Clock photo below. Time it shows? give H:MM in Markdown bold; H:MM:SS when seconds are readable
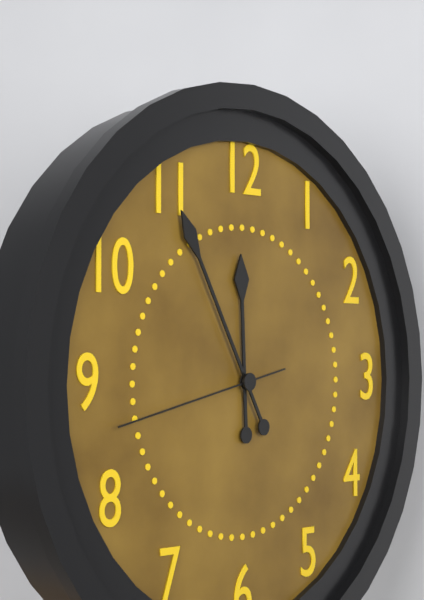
**11:55:43**
